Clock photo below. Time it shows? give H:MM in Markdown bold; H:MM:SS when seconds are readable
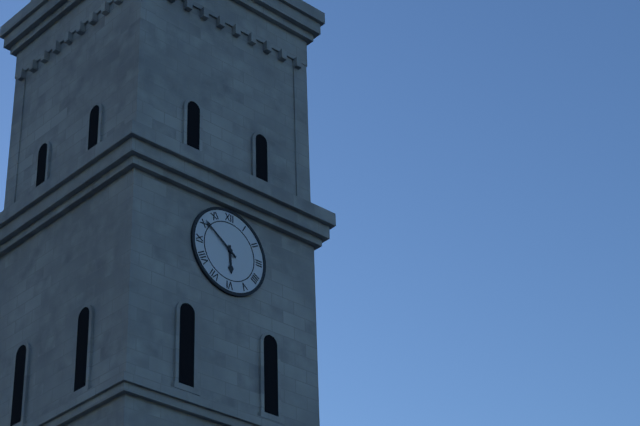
**5:51**
